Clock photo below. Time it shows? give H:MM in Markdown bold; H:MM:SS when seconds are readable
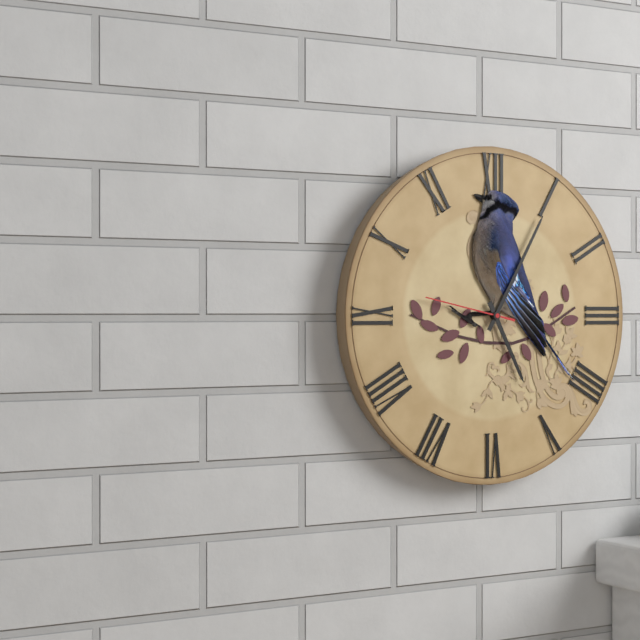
**5:05:47**
